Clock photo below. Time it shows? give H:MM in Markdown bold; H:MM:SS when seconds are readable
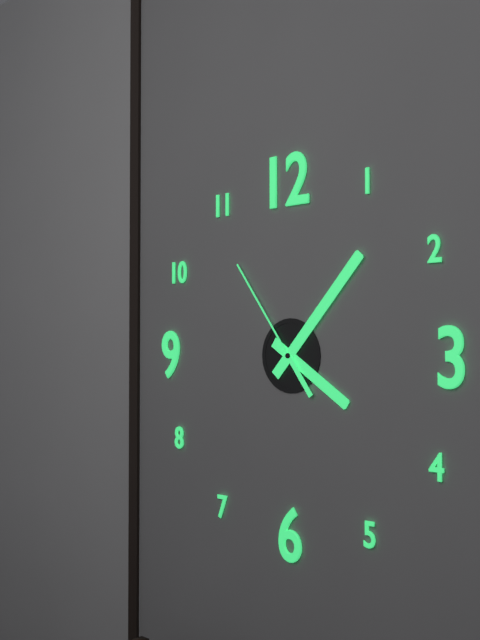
**4:07:54**
